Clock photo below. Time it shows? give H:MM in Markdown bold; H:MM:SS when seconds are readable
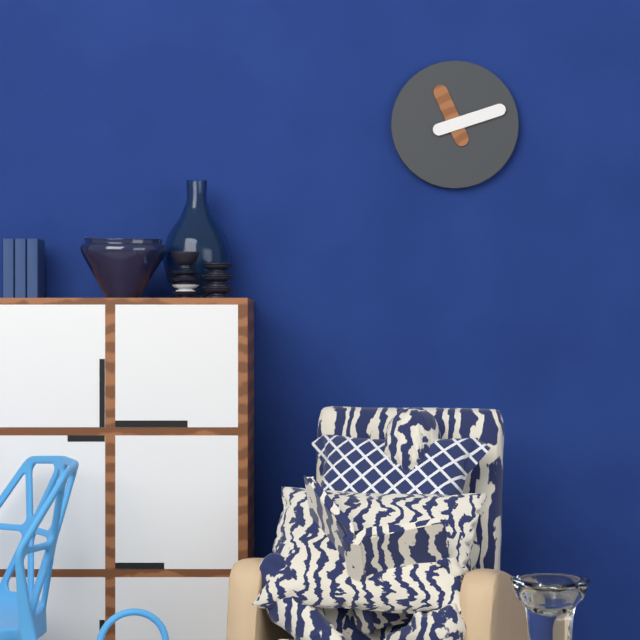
**11:12**
